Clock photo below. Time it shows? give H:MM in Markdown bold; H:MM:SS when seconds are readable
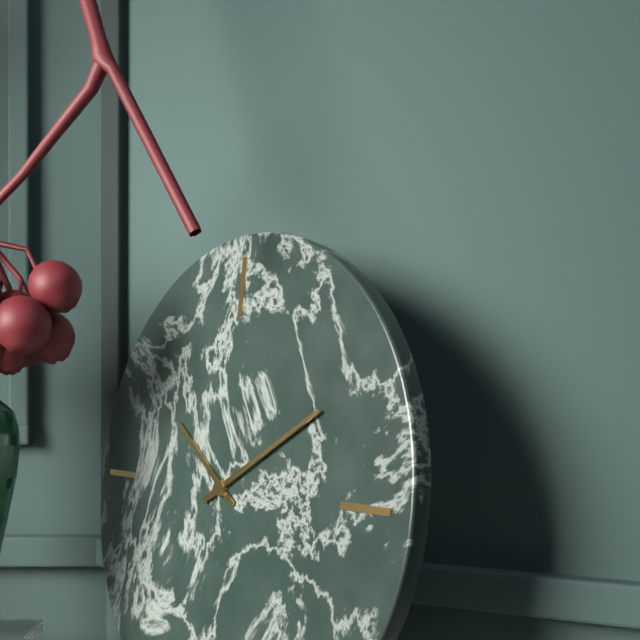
**10:10**
